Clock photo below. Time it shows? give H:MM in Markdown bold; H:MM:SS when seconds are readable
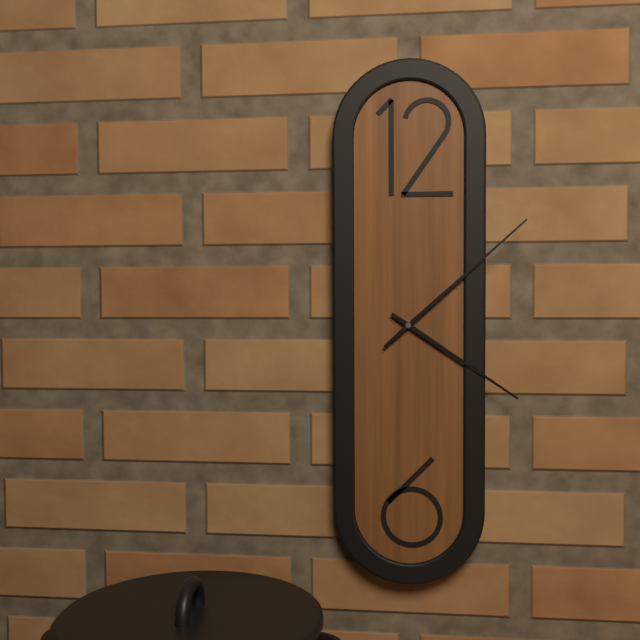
**4:08**
